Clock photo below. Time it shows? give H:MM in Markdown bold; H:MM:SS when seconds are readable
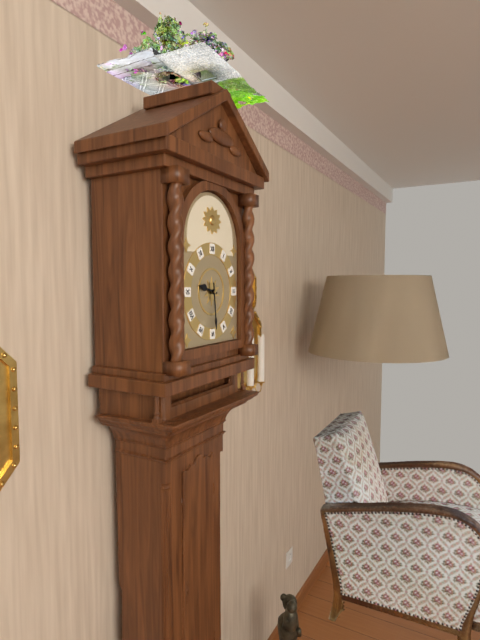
**9:29**
